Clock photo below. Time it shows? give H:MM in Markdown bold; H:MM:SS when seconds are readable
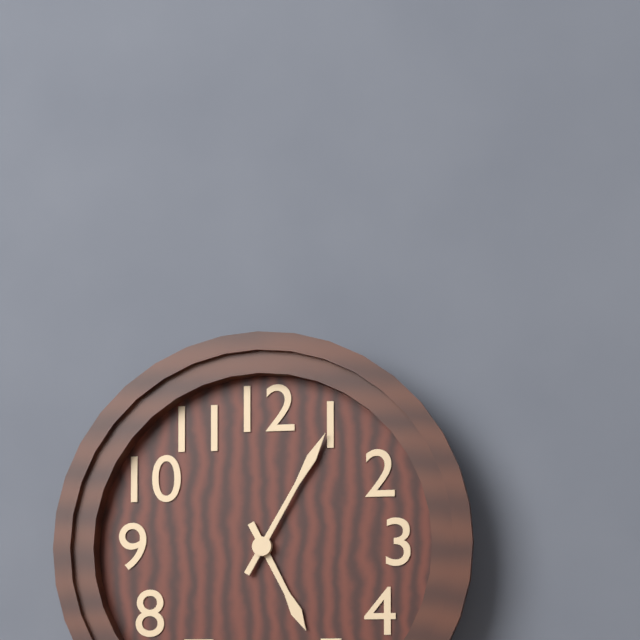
**5:05**
